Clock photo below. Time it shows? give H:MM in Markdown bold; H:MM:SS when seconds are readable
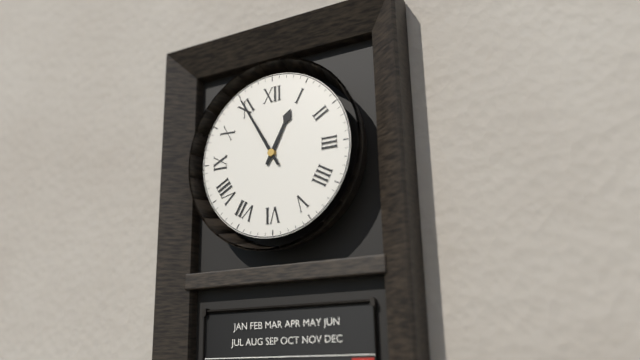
**12:55**
